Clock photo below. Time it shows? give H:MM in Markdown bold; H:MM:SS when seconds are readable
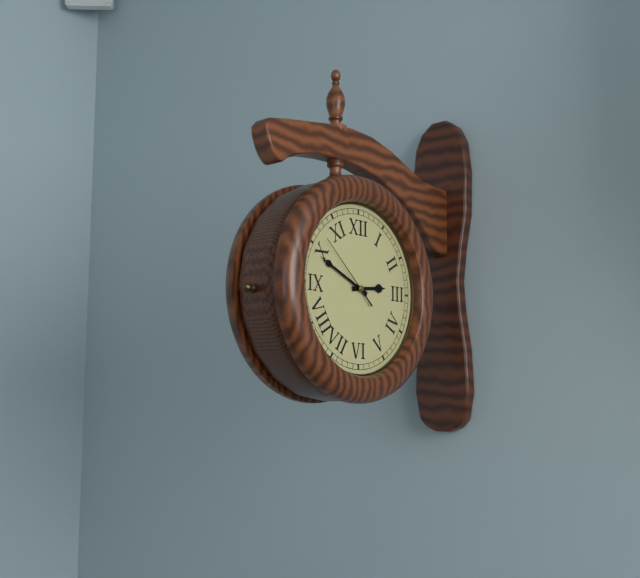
**2:49:52**
